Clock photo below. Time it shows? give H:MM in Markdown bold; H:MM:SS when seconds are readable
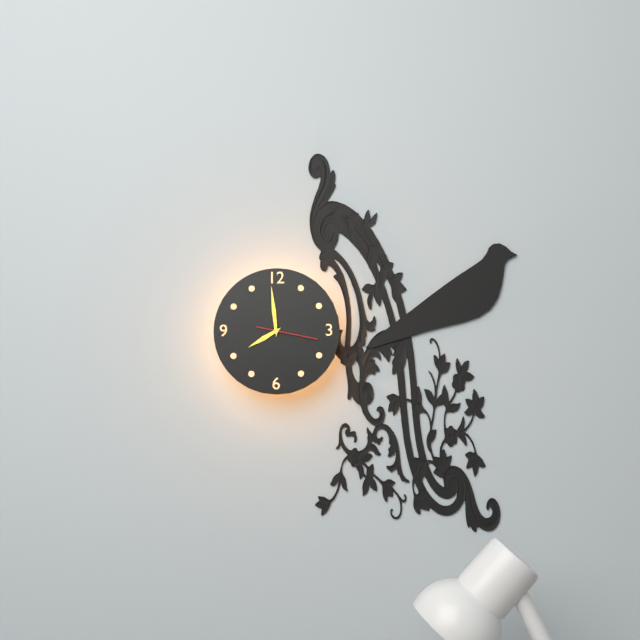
**7:59**
